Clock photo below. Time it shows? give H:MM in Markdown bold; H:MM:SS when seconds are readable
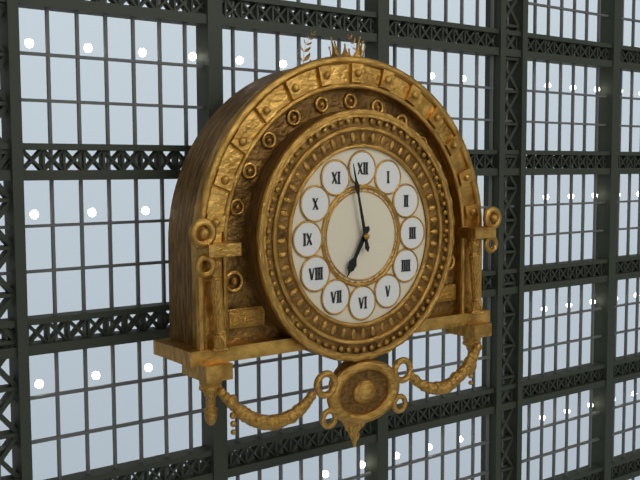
**6:58**
